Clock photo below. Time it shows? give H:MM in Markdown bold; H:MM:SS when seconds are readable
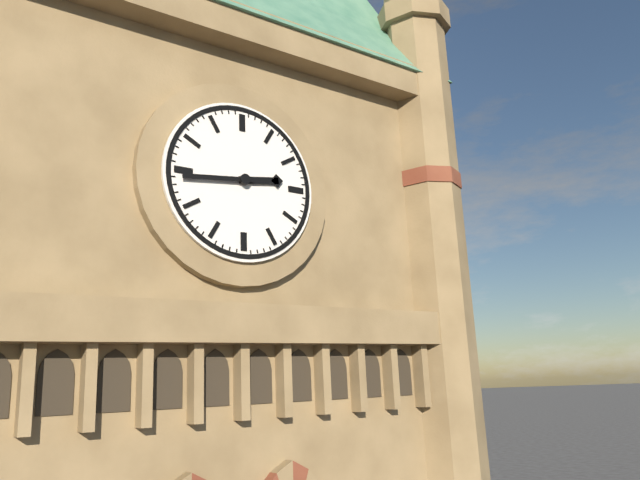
**2:44**
